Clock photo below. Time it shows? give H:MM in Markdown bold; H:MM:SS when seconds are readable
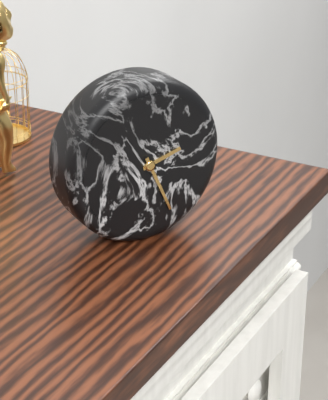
**2:26**
